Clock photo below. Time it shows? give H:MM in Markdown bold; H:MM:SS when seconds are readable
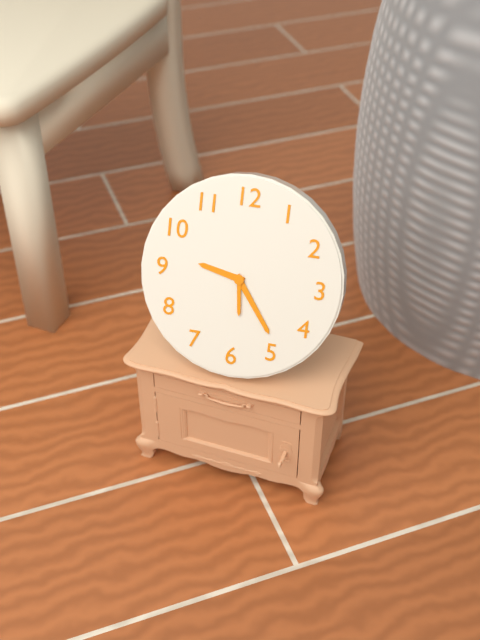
**9:24**
